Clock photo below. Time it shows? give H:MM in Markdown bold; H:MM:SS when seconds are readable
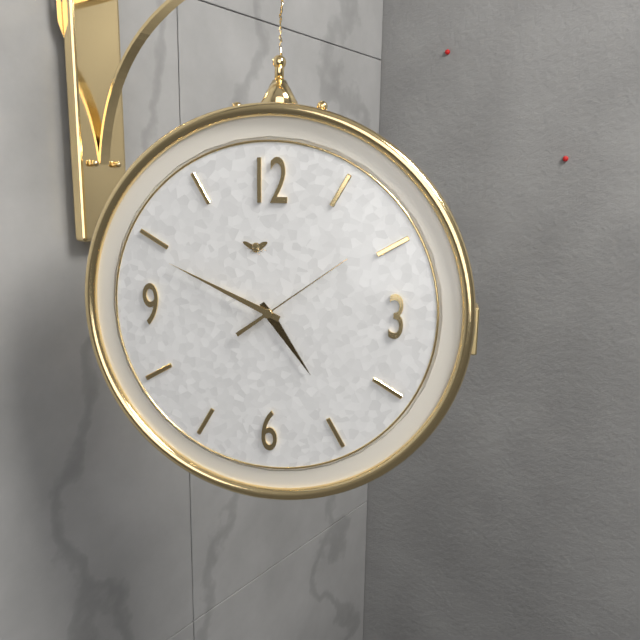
**4:49:09**
